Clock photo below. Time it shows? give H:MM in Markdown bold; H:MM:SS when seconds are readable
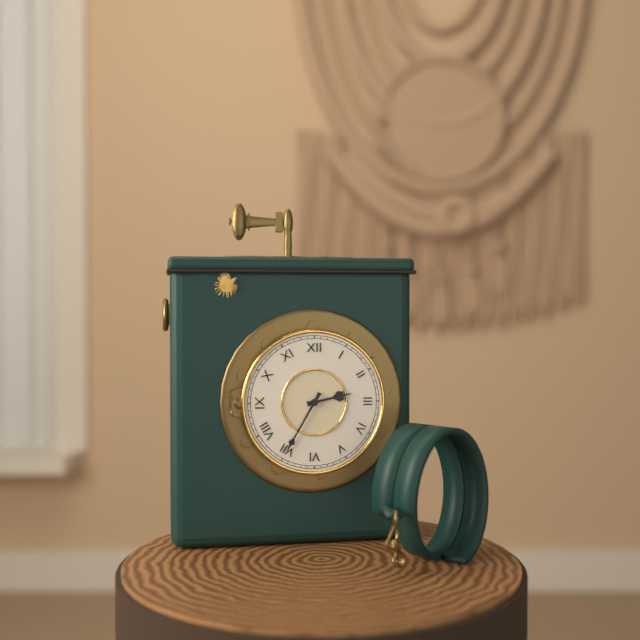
**2:35**
